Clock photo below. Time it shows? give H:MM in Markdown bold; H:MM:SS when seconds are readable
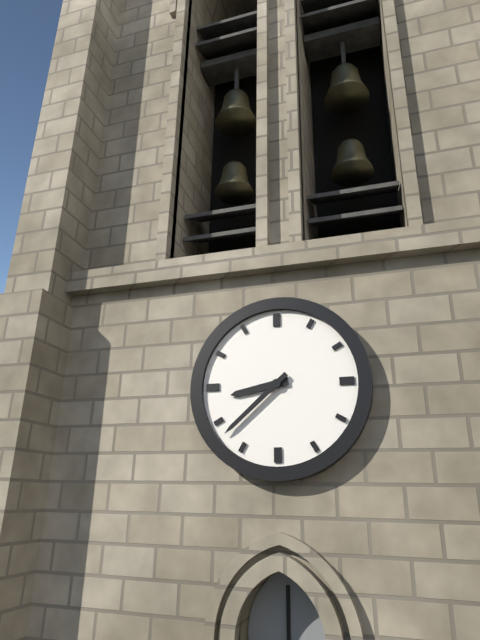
**8:38**
